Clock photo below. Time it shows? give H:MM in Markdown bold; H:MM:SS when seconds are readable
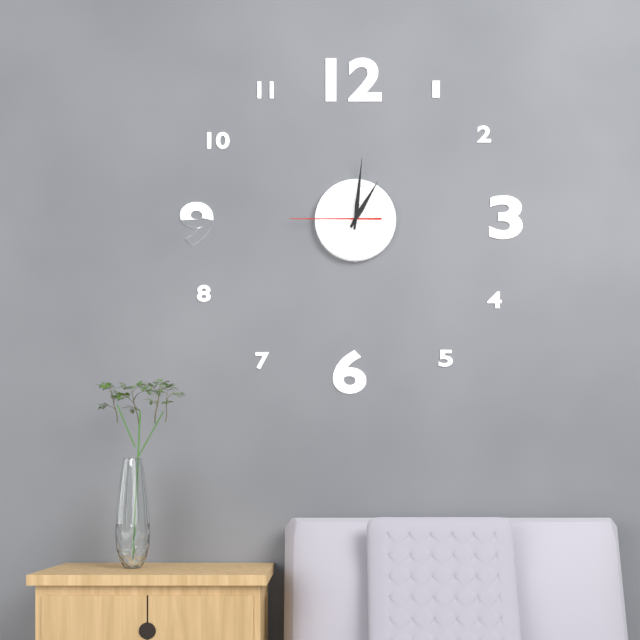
**1:01:45**
